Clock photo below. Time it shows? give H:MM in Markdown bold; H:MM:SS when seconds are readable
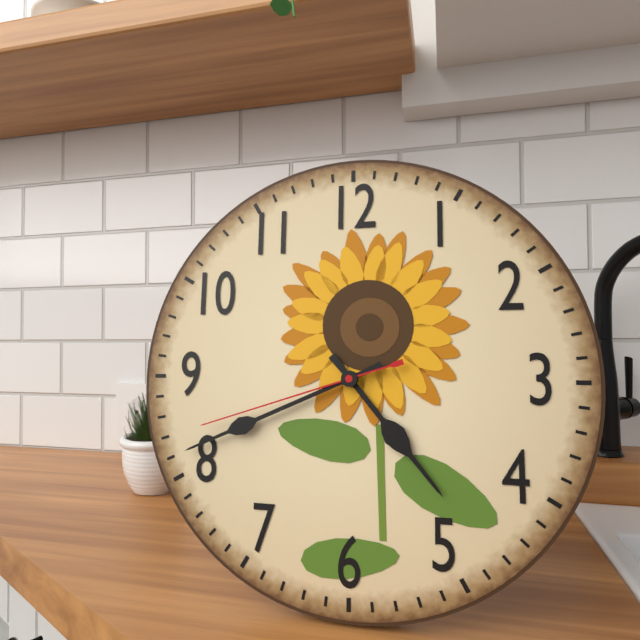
**4:41:42**
